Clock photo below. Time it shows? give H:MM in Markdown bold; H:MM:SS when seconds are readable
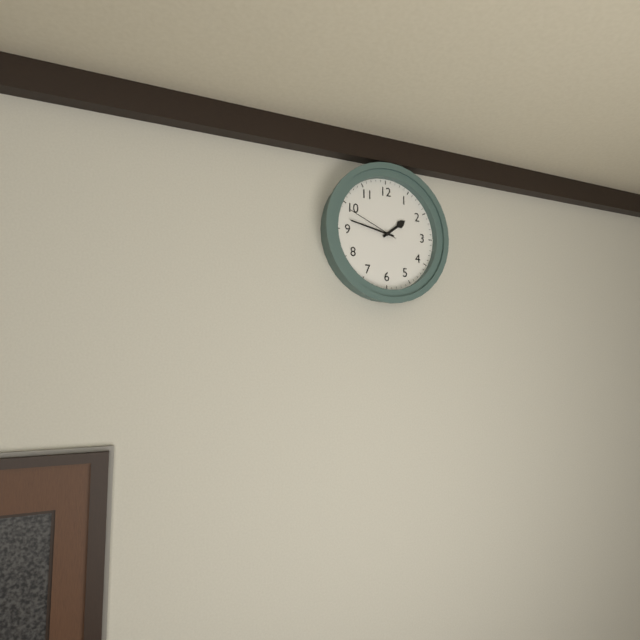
**1:47:49**
